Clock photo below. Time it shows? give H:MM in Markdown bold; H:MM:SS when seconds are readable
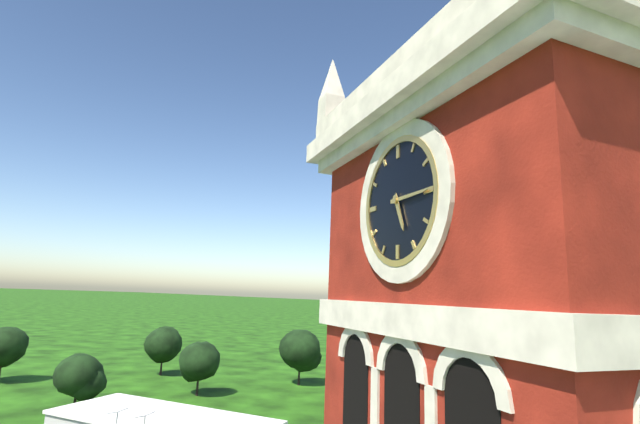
**5:15**
